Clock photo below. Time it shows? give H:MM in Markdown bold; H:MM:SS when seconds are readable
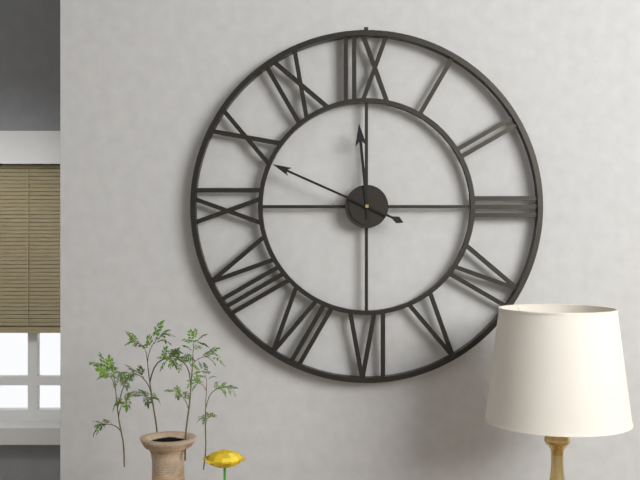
**11:49**
